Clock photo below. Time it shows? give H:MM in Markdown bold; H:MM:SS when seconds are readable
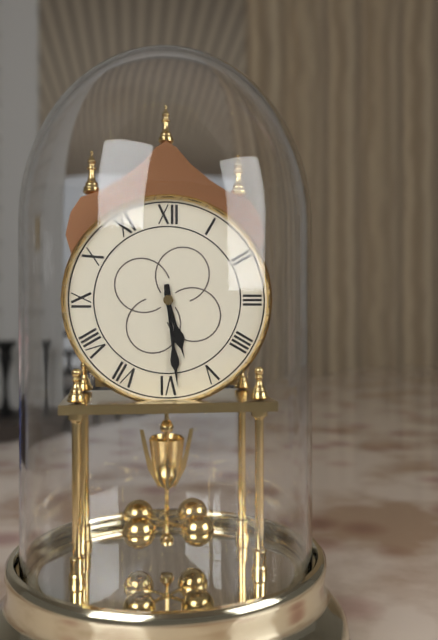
**5:29**
